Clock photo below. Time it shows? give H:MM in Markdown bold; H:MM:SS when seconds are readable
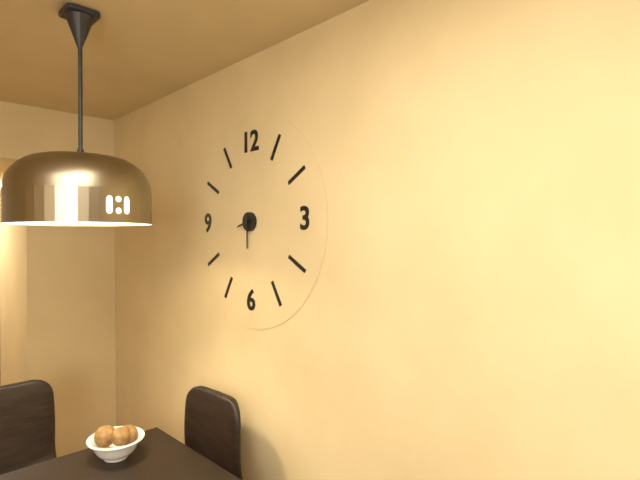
**8:30**
